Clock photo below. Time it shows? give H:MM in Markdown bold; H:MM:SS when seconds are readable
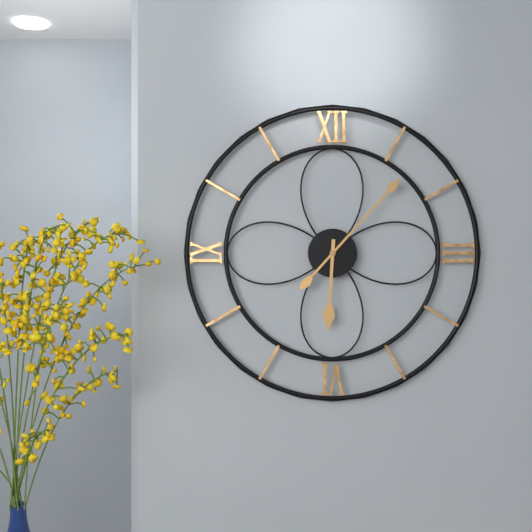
**6:07**
